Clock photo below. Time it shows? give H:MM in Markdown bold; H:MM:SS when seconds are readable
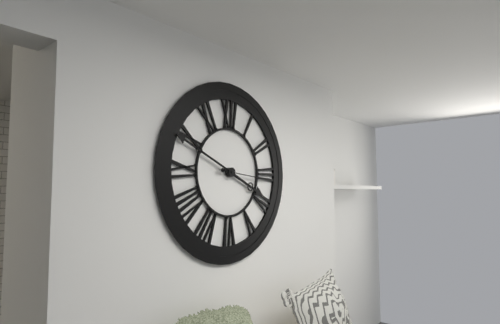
**3:49**
